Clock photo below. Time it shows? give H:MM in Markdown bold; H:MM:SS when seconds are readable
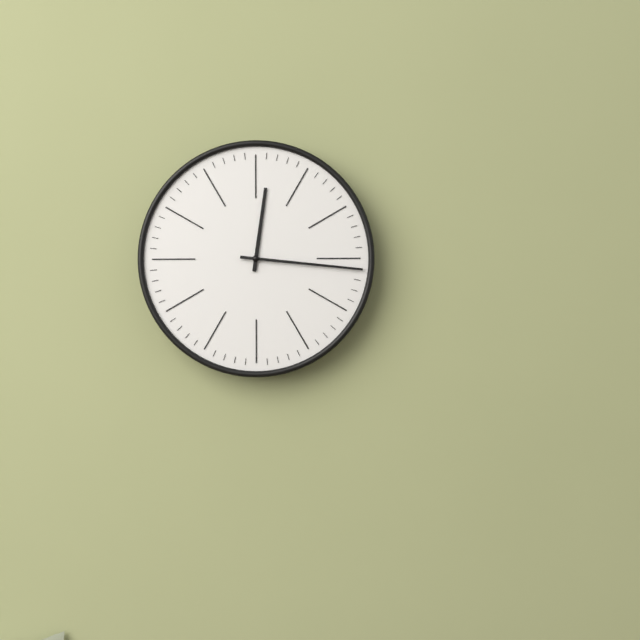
**12:16**
